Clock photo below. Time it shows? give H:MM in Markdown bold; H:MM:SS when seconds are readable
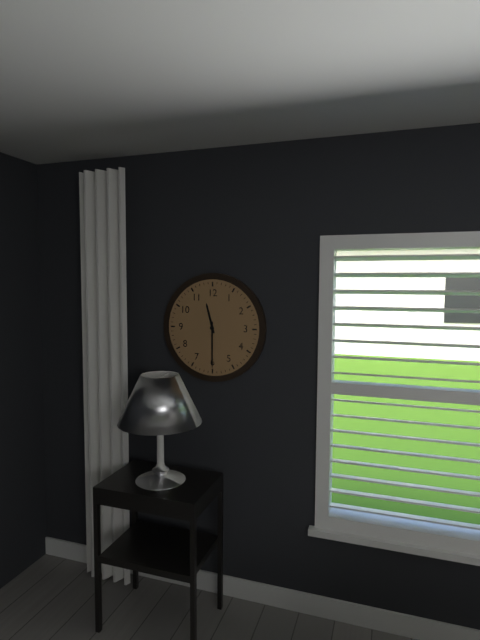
**11:30**
